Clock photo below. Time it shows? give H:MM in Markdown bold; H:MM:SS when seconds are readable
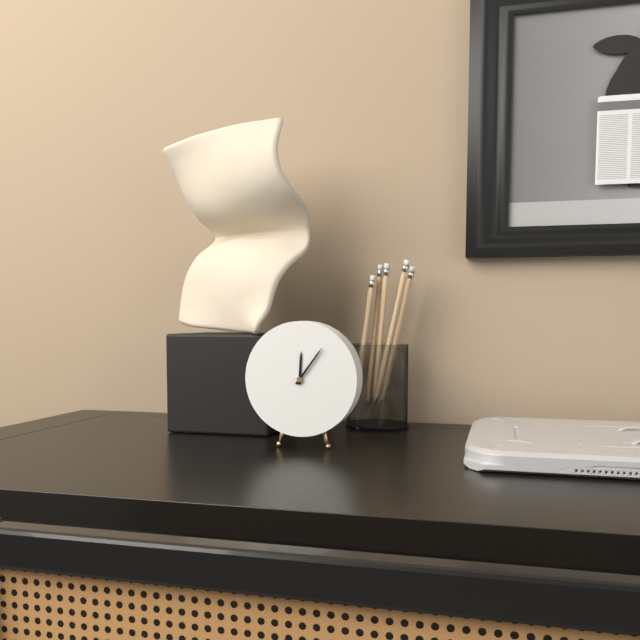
**12:06**
